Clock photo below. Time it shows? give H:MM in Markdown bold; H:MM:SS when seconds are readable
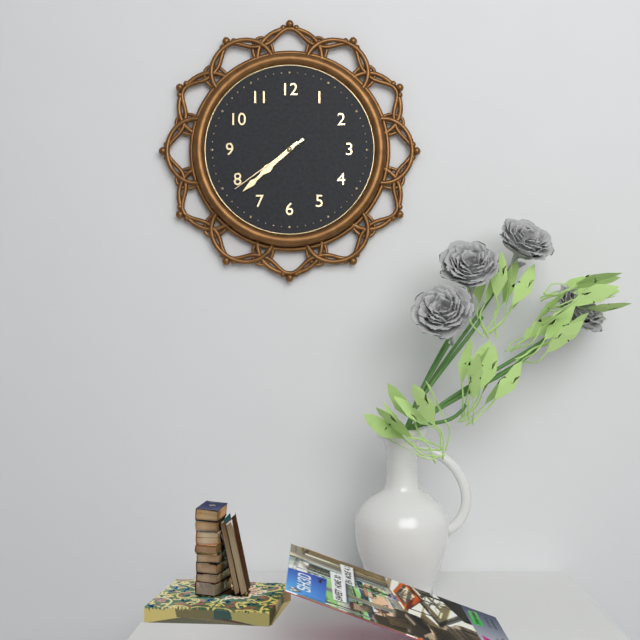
**7:38:39**
